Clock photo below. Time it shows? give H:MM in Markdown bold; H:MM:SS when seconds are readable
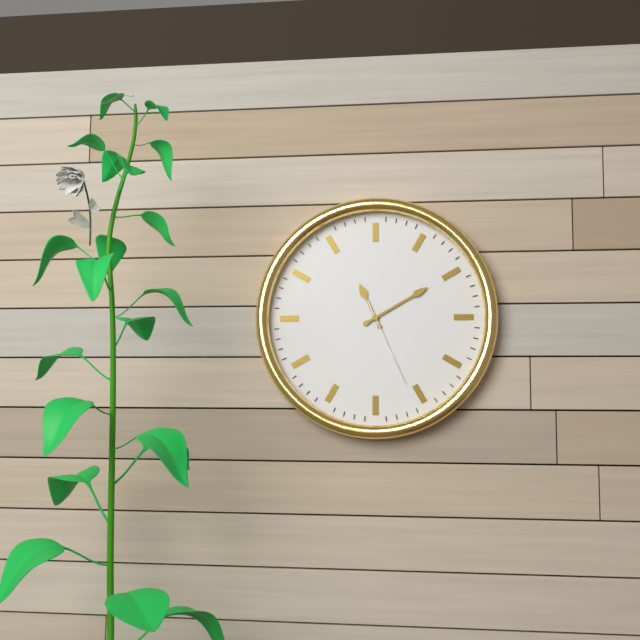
**11:10:26**
